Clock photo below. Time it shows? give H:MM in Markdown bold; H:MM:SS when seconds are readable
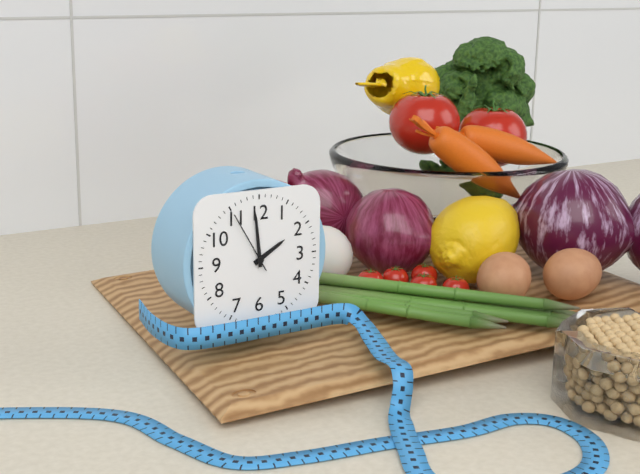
**1:59:55**
